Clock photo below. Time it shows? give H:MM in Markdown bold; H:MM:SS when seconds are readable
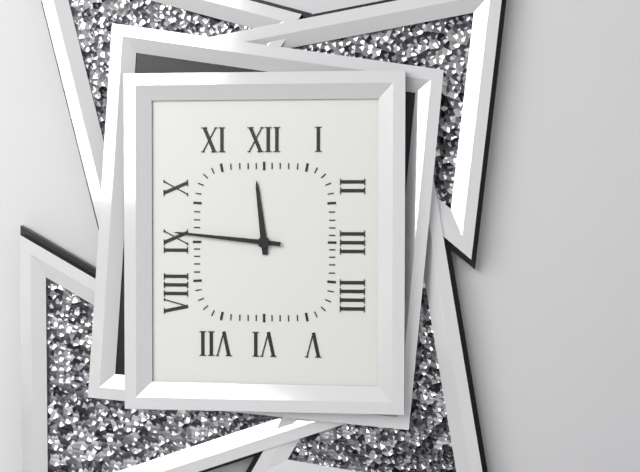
**11:46**
